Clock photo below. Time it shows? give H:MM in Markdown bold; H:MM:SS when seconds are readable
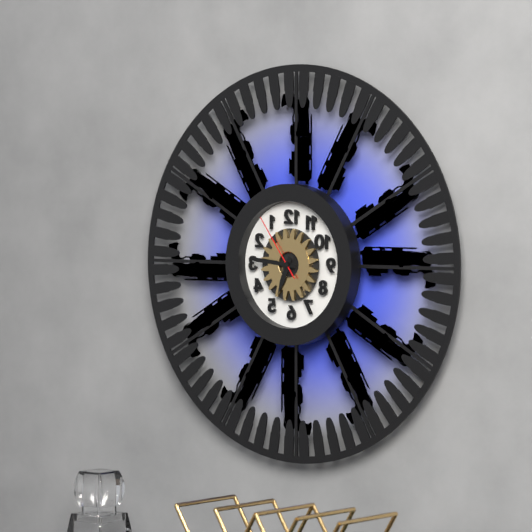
**6:46:54**
